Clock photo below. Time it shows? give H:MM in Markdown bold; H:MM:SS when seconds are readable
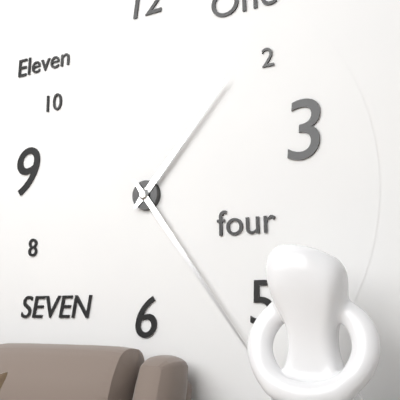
**1:24**
